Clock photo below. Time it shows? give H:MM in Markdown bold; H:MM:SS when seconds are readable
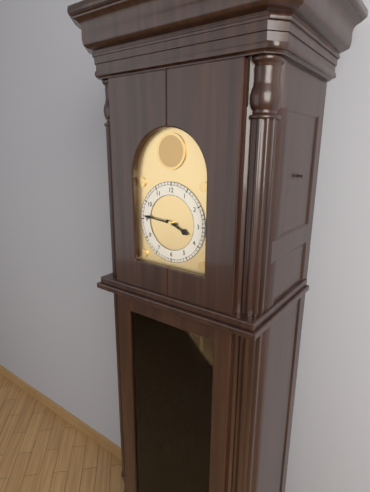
**3:46**
